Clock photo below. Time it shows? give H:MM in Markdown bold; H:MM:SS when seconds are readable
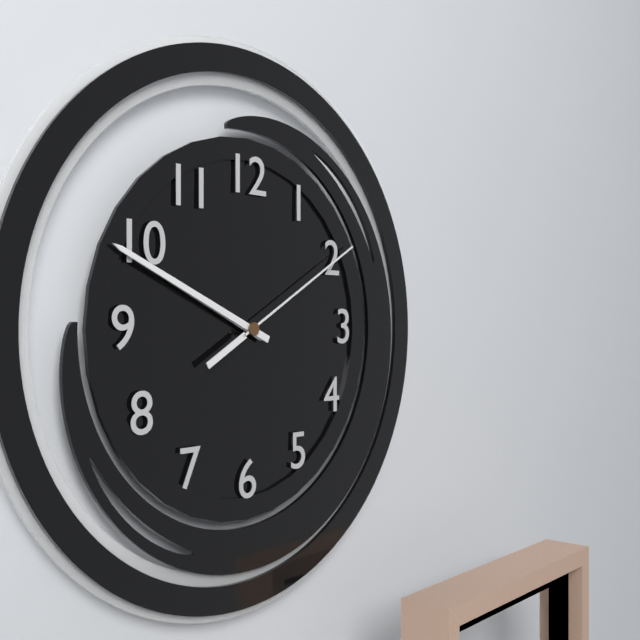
**9:49:10**
